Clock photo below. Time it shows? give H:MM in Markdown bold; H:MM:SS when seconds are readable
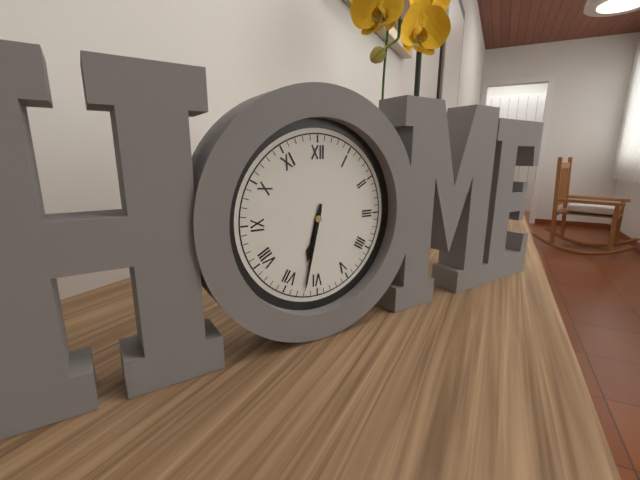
**6:32**
